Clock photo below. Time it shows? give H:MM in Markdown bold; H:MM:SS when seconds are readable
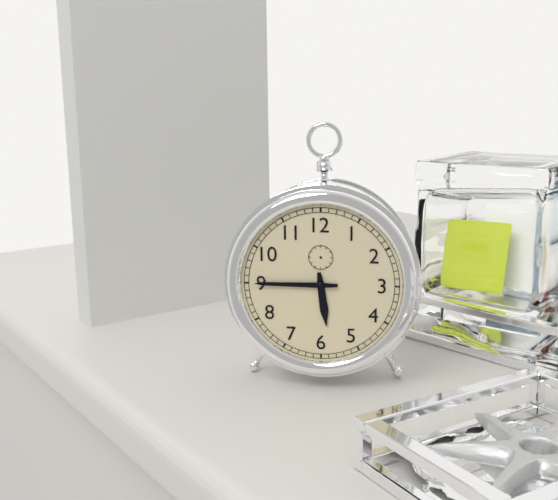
**5:45**
